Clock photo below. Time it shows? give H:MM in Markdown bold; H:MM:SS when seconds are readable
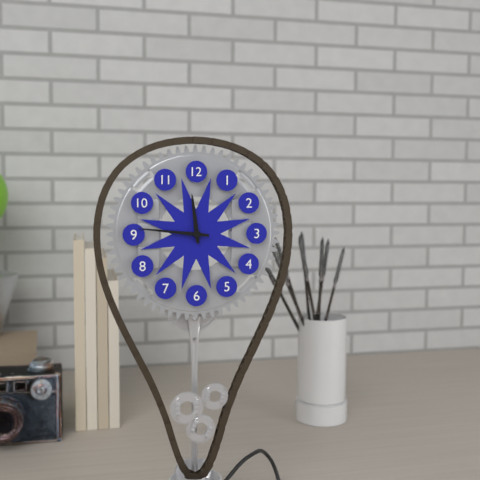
**11:46**
